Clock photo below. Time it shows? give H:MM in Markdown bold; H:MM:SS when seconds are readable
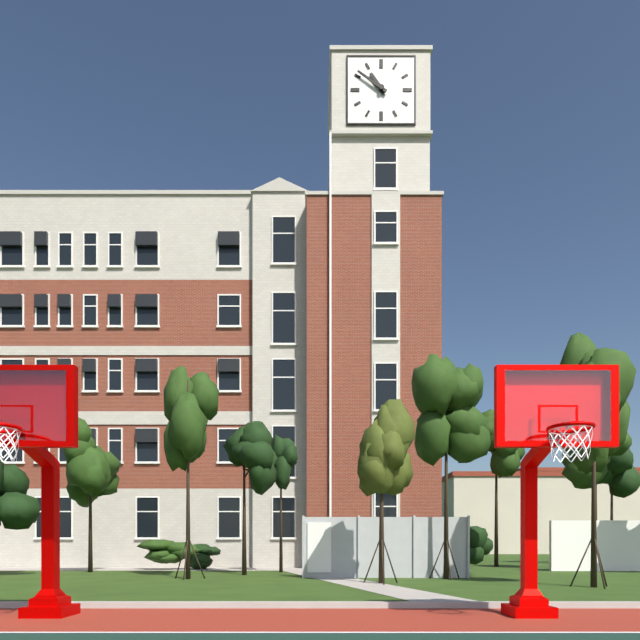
**10:51**
